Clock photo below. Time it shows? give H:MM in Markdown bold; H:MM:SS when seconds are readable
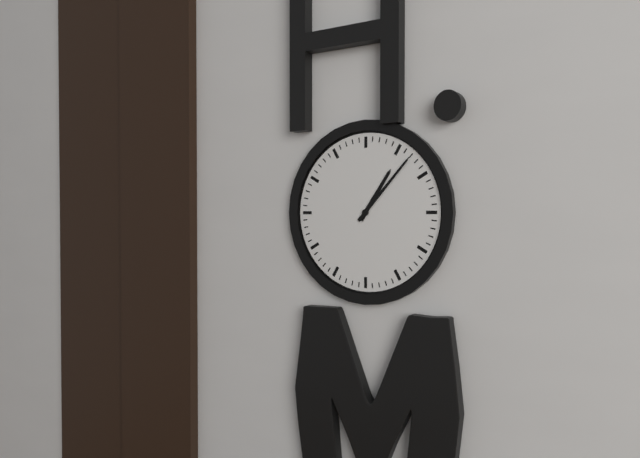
**1:07**
